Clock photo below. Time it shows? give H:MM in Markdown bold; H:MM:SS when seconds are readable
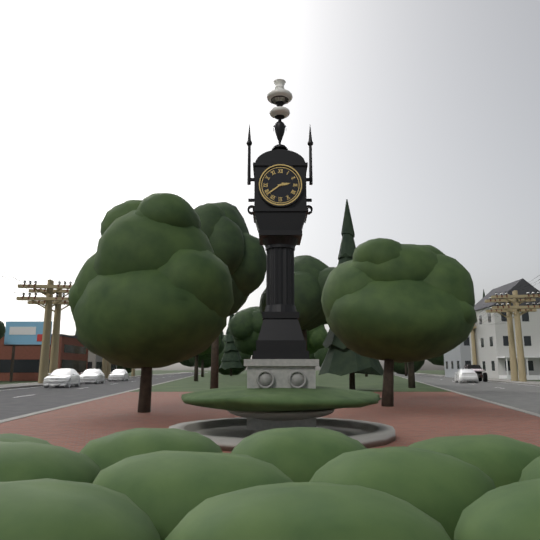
**2:39**
